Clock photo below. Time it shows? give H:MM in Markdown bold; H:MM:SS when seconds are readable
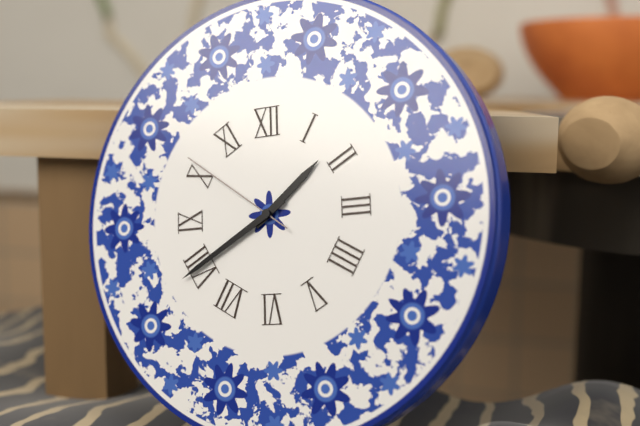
**1:40:51**
